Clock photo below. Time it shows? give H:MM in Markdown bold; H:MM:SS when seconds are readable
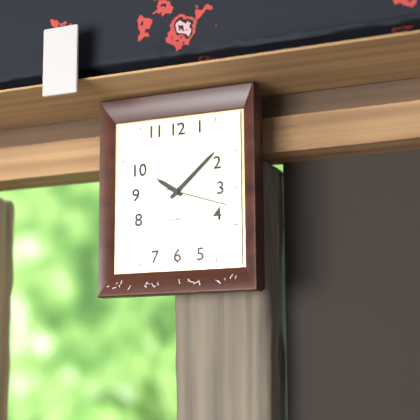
**10:08:18**
